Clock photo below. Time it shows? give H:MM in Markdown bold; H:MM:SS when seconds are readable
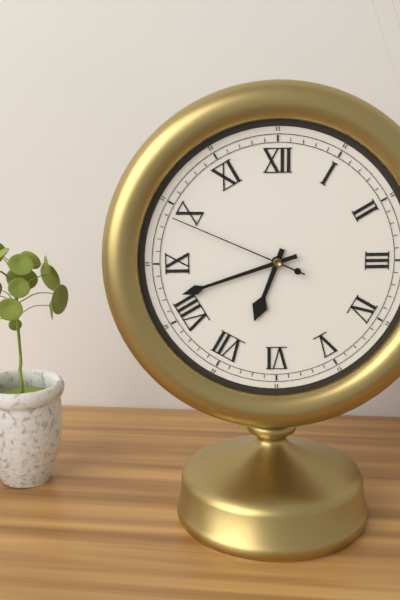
**6:42:49**
